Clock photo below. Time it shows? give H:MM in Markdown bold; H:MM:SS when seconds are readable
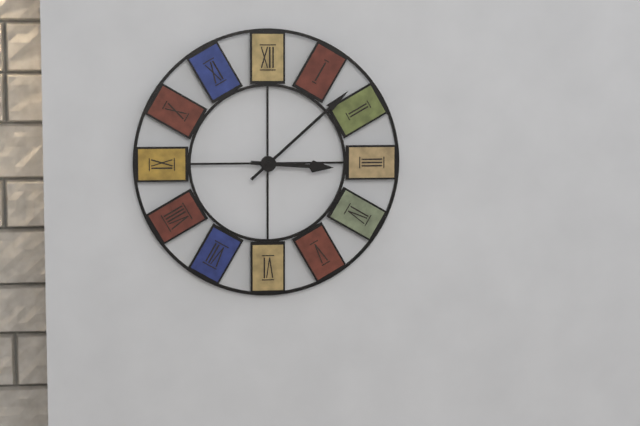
**3:08**
